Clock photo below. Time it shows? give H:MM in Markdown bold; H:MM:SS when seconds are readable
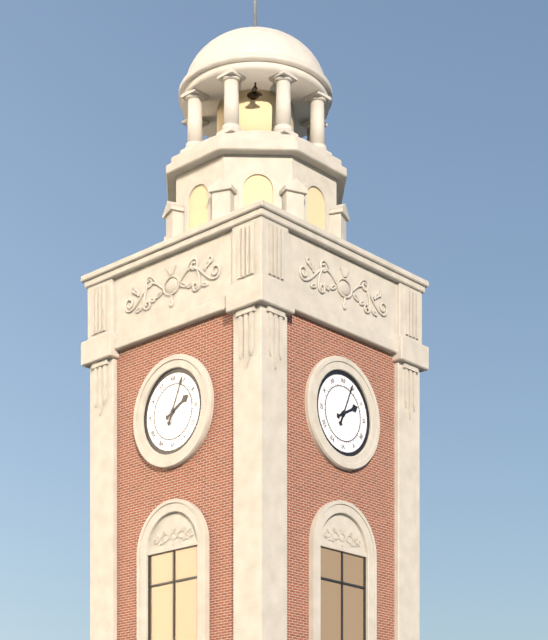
**2:04**
